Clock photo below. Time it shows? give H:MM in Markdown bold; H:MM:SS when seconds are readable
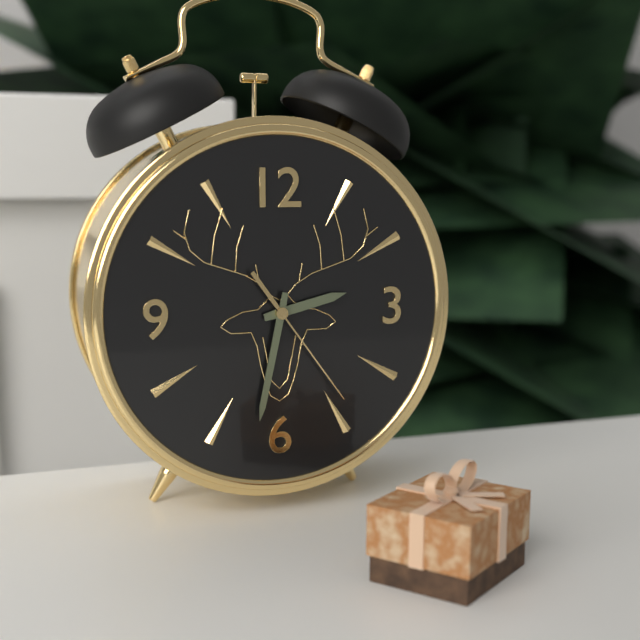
**2:32:24**
